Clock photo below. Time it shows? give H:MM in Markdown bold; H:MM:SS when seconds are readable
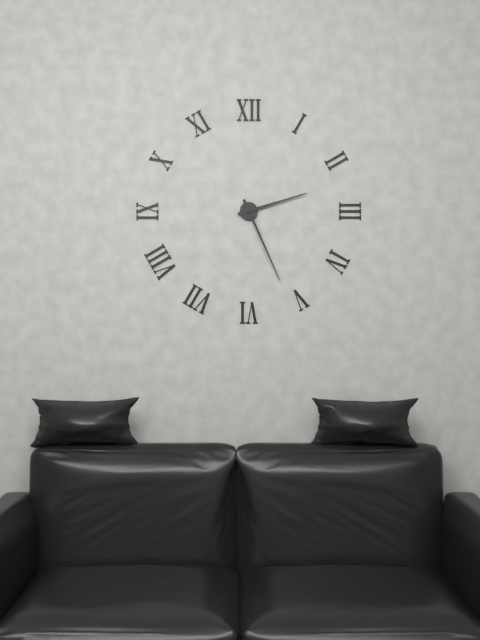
**2:26**
